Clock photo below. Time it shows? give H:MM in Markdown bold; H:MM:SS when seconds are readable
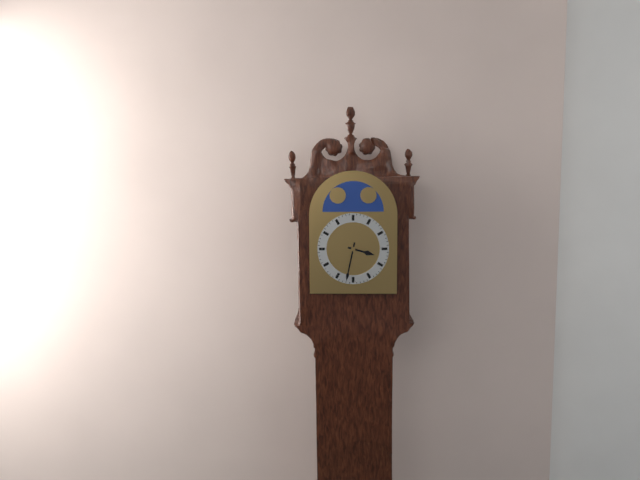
**3:32**
